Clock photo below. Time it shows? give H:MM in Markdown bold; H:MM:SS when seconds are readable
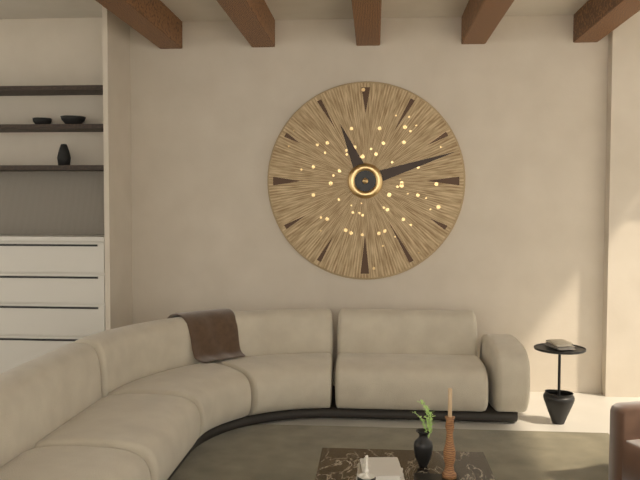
**11:12**
